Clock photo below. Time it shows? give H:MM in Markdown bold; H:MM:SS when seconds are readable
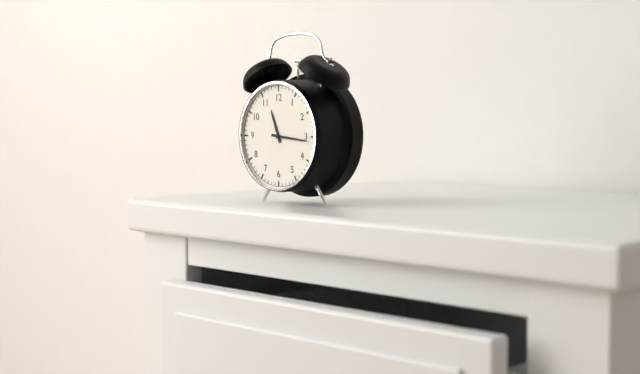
**11:16**
